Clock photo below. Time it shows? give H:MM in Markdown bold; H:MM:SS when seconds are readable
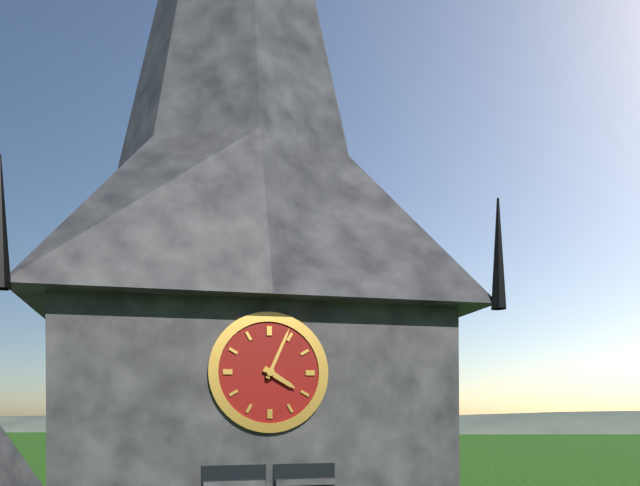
**4:04**
